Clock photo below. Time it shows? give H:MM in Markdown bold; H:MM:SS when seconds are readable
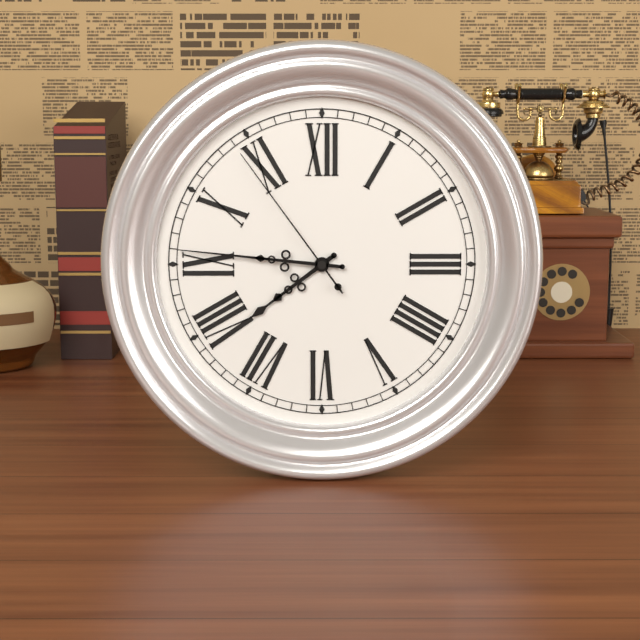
**7:46:54**
